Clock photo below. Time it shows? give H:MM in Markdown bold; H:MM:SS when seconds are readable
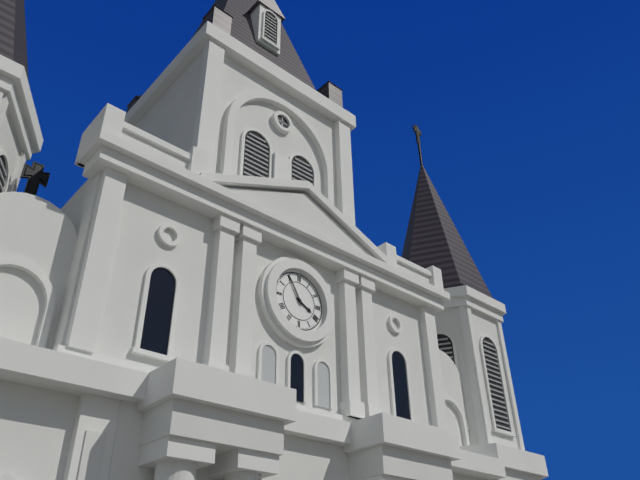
**3:55**
